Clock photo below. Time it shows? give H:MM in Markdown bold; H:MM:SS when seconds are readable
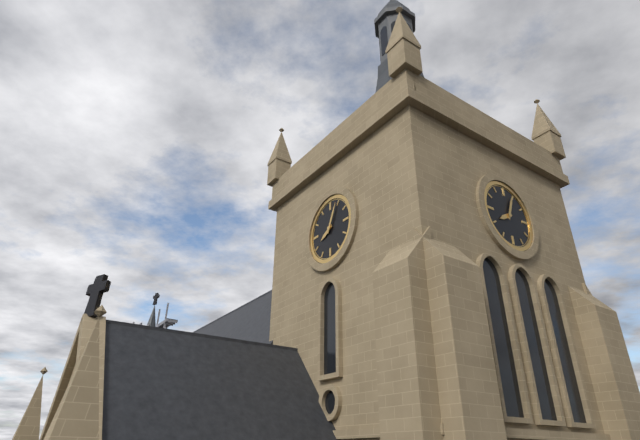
**8:04**
